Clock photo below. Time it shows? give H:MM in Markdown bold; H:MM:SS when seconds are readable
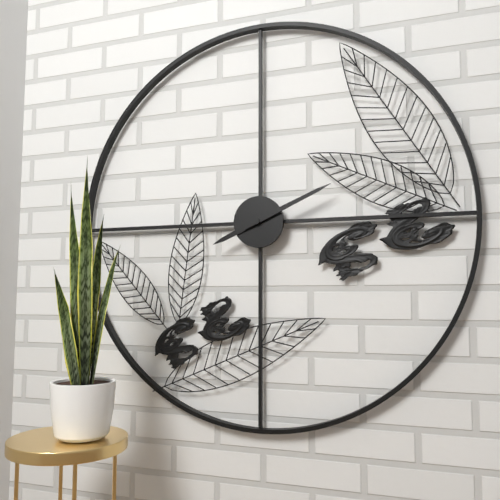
**8:11**
